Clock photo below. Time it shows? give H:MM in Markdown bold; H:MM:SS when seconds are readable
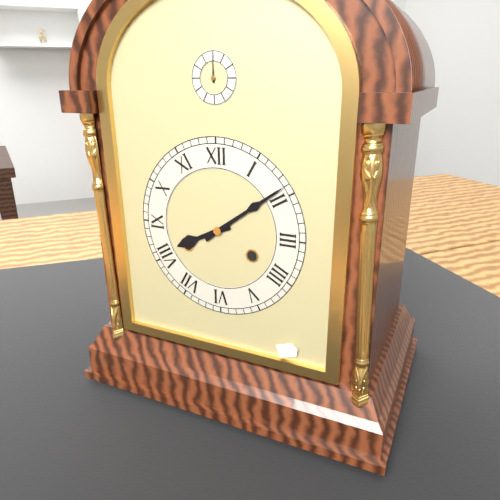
**8:09**
